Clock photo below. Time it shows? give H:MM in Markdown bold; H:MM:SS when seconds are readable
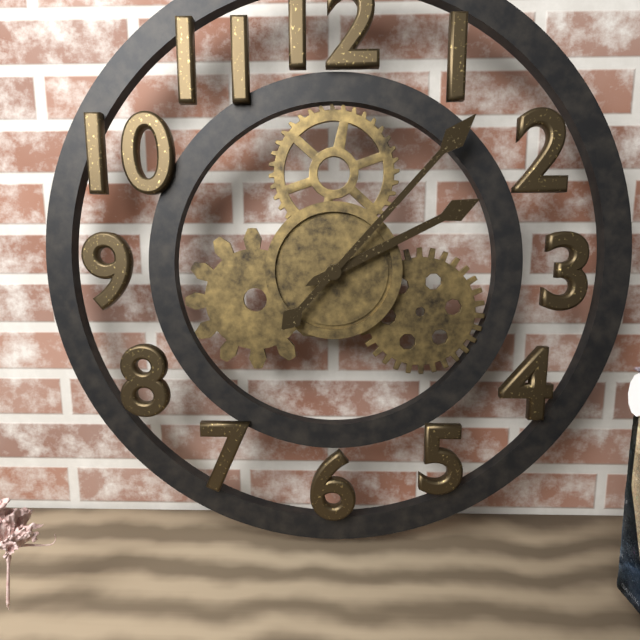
**2:07**
